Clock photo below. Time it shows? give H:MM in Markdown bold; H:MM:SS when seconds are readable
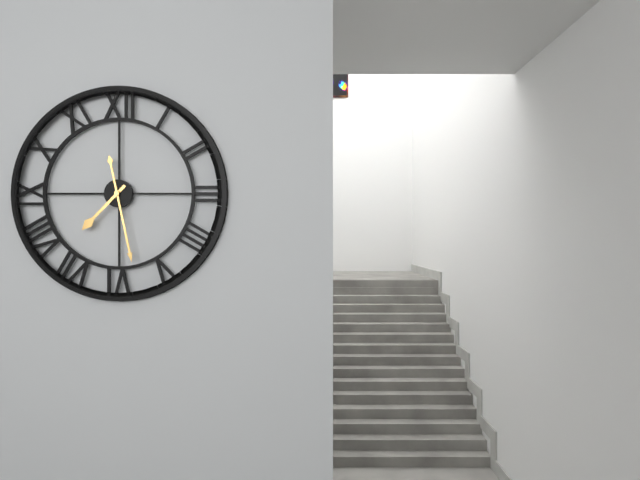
**7:28**
